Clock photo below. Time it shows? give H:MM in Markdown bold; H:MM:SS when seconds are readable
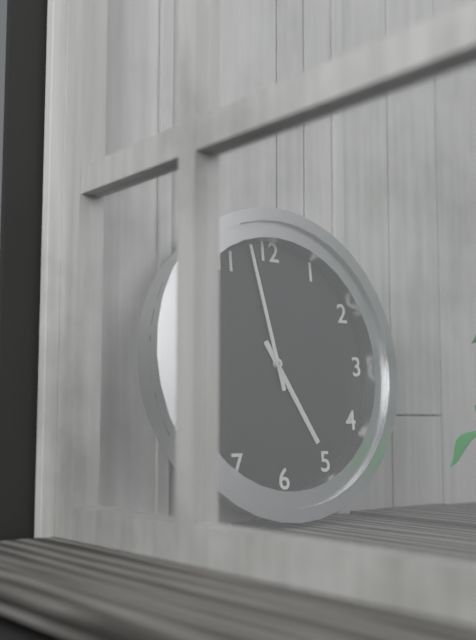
**4:58**
